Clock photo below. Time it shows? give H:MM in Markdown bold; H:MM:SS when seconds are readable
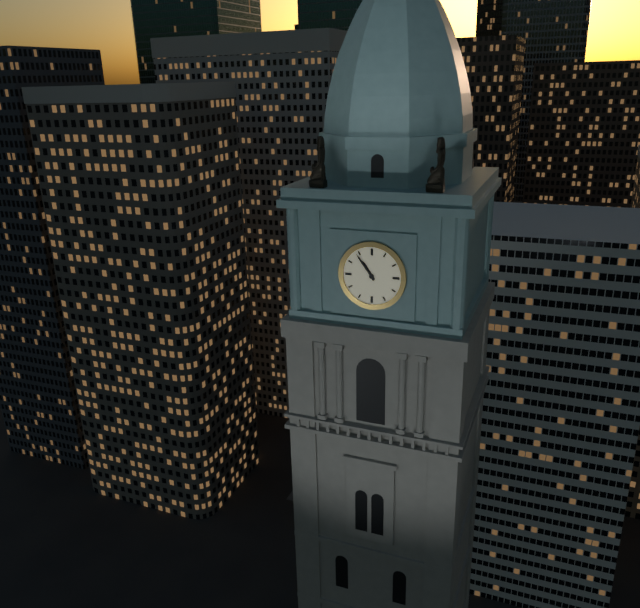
**10:54**
